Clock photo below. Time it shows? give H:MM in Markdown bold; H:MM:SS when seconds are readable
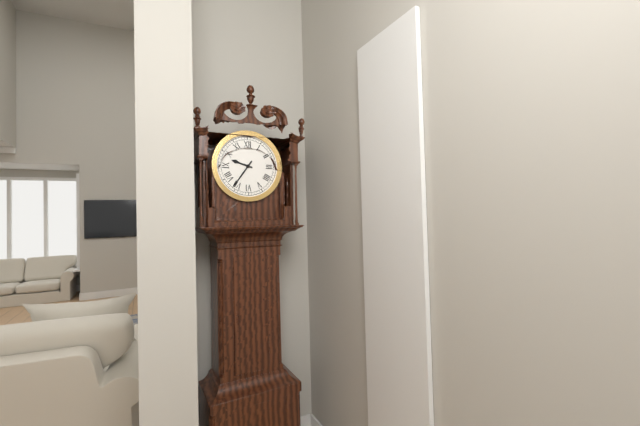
**9:36**
